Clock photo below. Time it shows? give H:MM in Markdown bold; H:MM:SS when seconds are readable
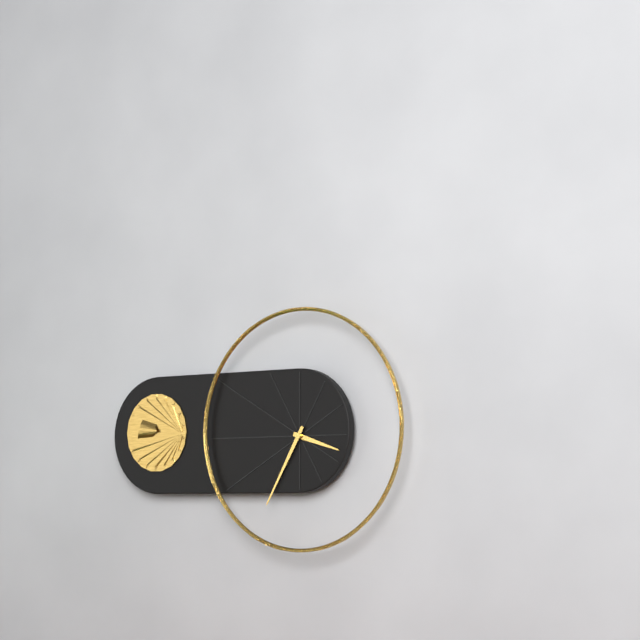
**3:35**
